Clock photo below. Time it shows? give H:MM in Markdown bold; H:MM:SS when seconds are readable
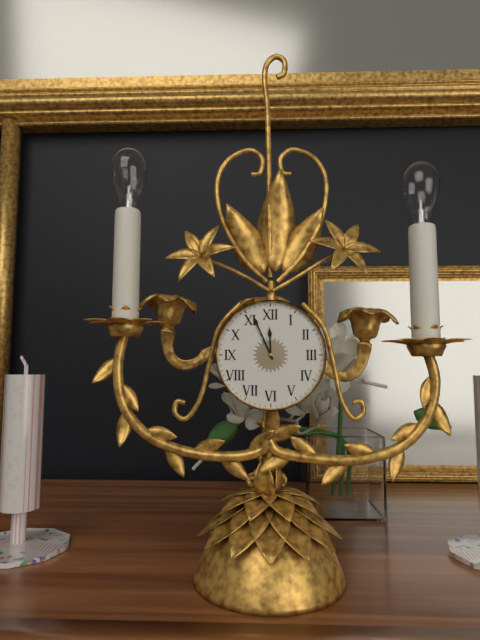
**11:56**
